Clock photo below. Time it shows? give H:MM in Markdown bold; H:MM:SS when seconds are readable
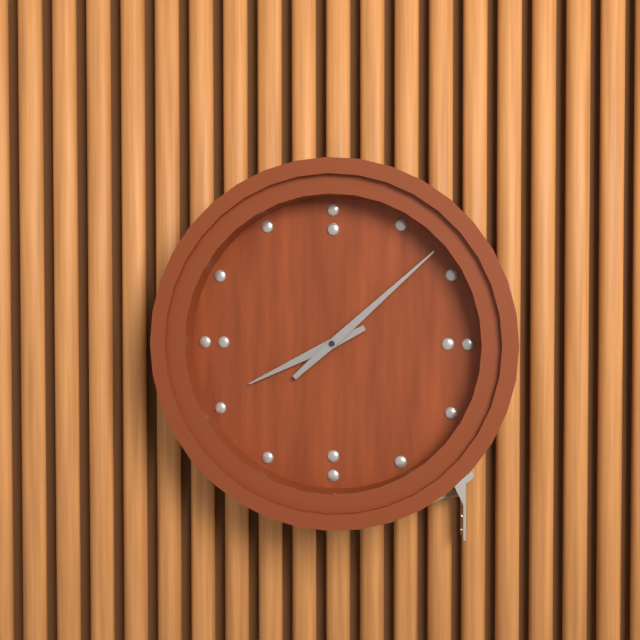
**8:08**
